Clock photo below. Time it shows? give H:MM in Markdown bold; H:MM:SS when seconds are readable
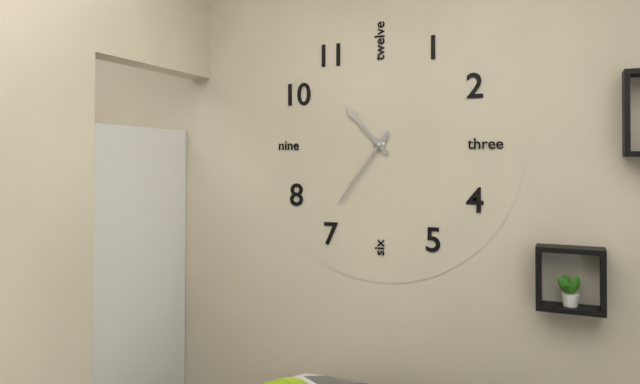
**10:36**
